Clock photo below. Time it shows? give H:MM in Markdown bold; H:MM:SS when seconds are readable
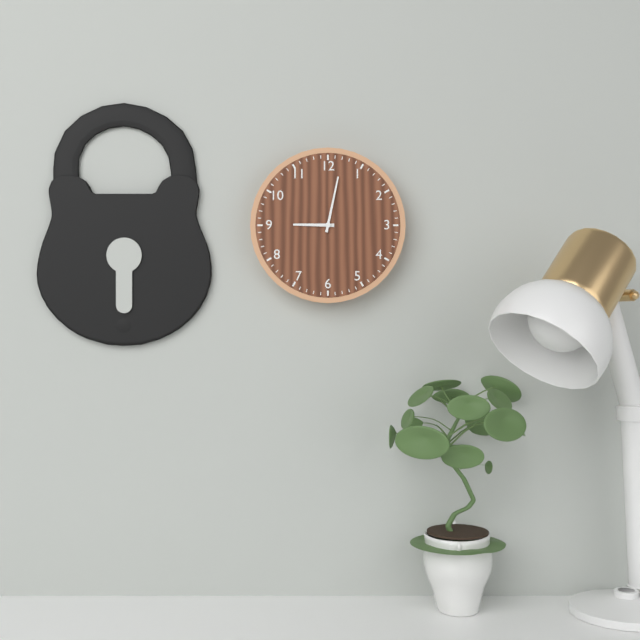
**9:02**
